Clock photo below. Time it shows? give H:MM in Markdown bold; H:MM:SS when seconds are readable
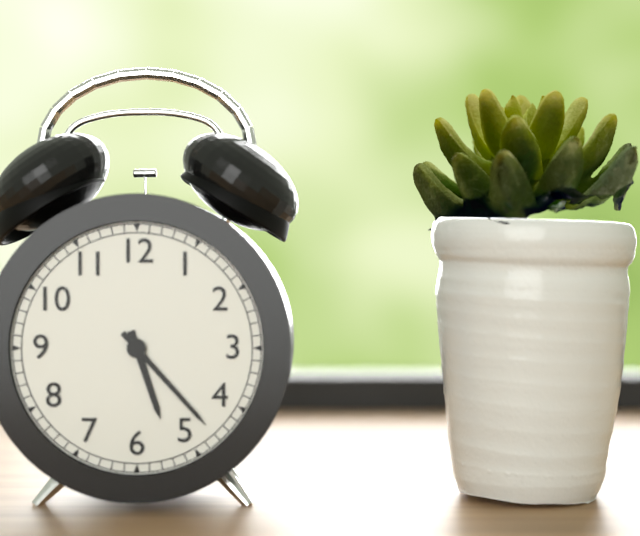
**5:23**
